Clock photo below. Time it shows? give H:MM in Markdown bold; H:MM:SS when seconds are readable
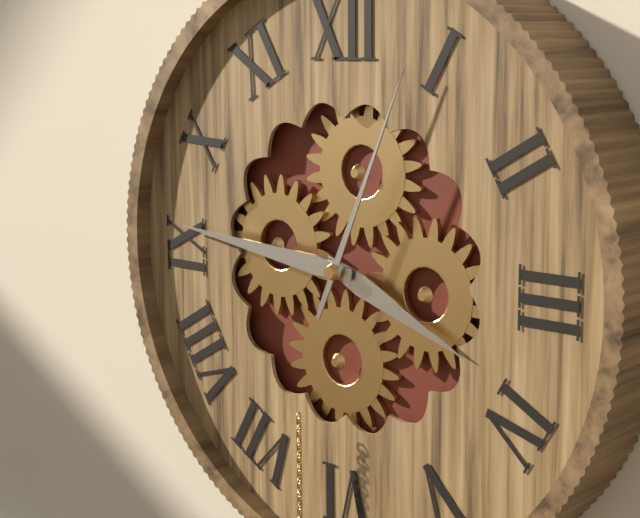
**3:46:04**
